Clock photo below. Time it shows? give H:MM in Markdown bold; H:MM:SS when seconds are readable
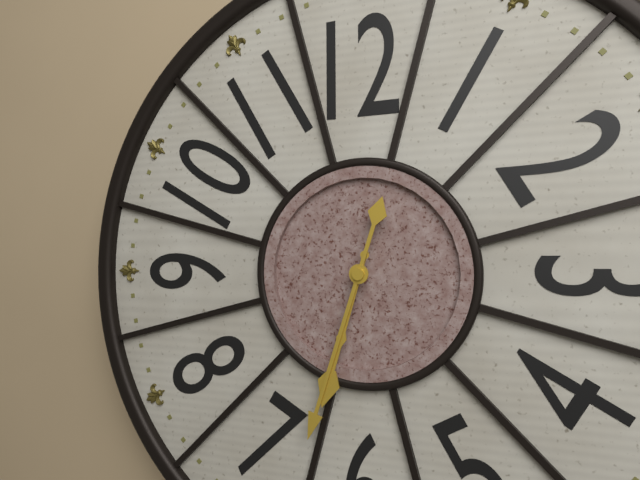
**6:33**
